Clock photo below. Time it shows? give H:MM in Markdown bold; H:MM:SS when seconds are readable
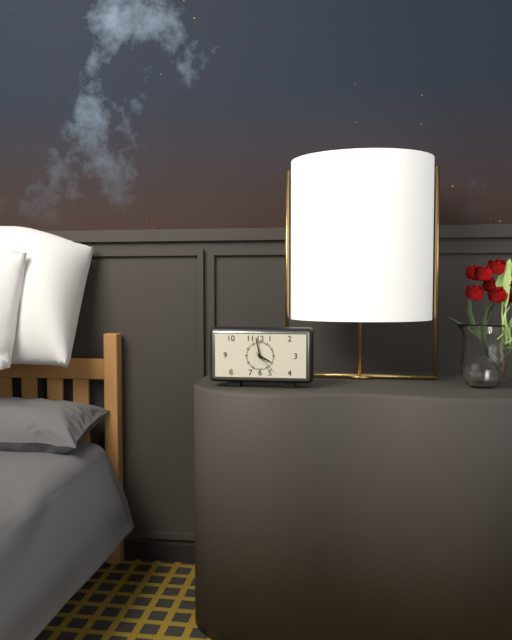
**3:58**
